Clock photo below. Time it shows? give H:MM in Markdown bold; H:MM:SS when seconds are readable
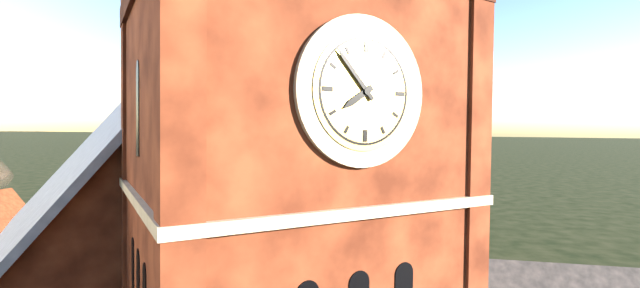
**7:53**
